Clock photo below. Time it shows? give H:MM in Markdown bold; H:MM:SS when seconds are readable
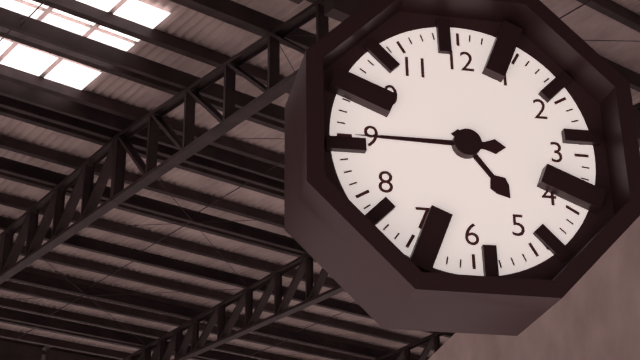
**4:45**
